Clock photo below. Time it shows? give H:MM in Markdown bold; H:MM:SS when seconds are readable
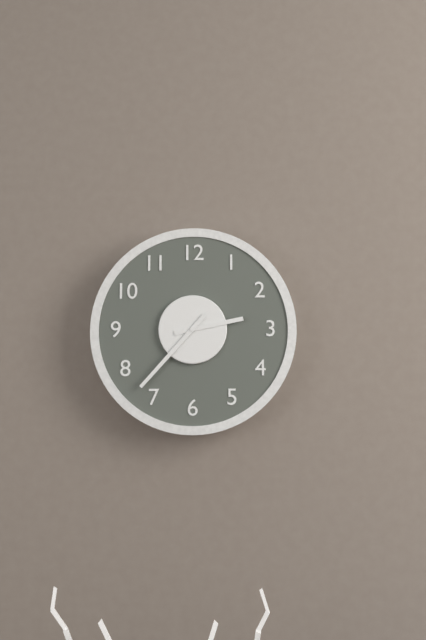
**2:37**
